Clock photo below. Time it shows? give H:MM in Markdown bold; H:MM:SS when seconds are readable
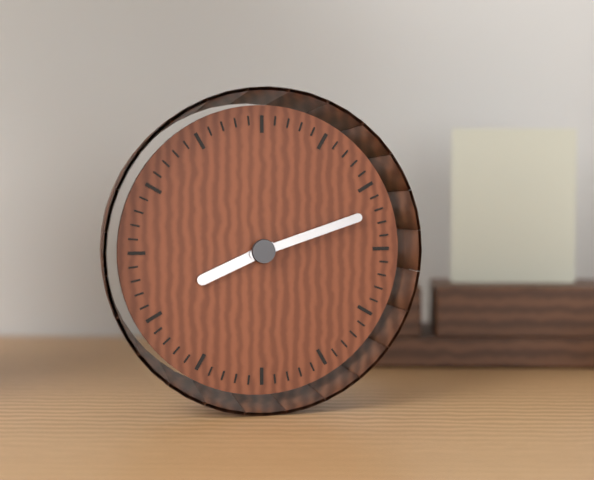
**8:12**
